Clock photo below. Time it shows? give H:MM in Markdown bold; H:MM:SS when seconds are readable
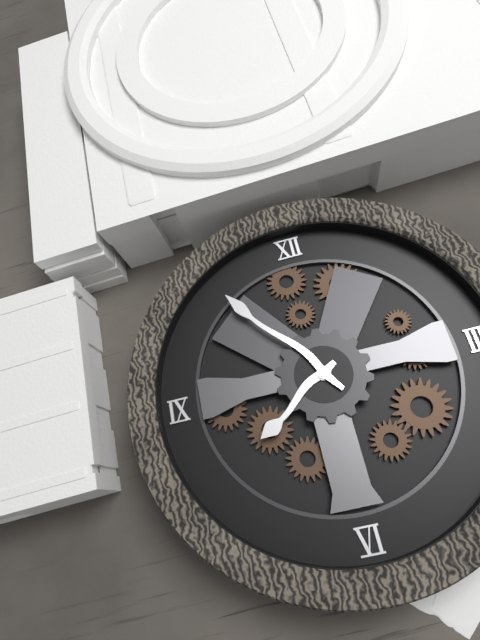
**7:54**
